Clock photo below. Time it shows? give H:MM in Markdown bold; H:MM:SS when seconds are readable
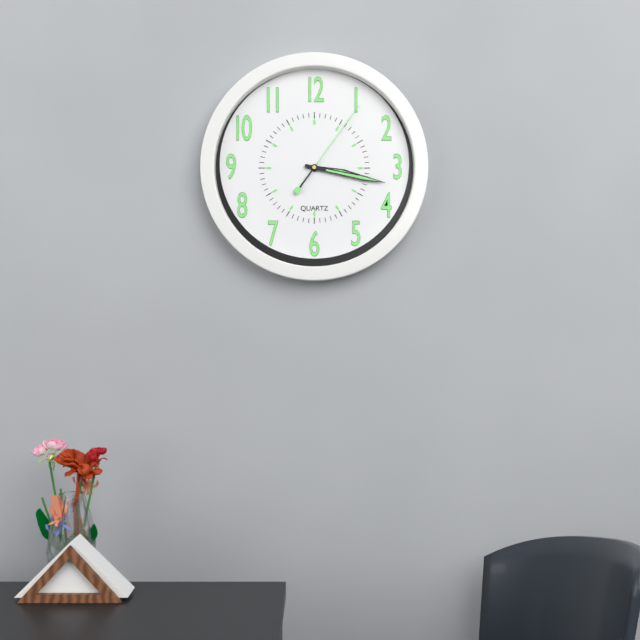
**3:17:06**
